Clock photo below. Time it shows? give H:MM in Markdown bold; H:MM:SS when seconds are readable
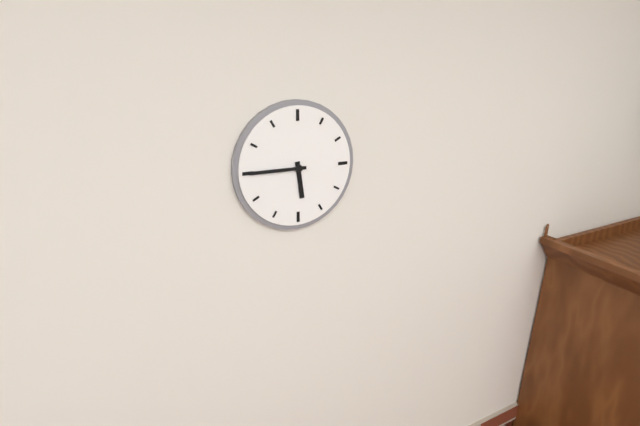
**5:45**
